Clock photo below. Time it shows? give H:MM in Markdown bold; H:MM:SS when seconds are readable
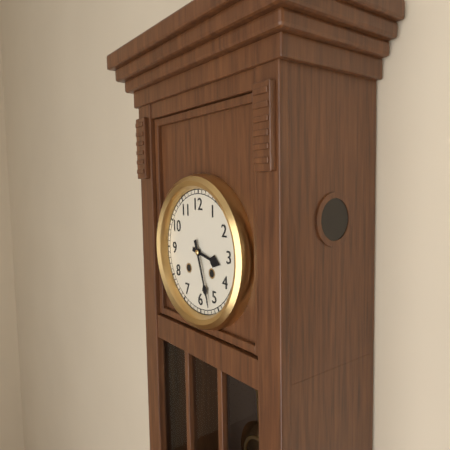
**3:27**
